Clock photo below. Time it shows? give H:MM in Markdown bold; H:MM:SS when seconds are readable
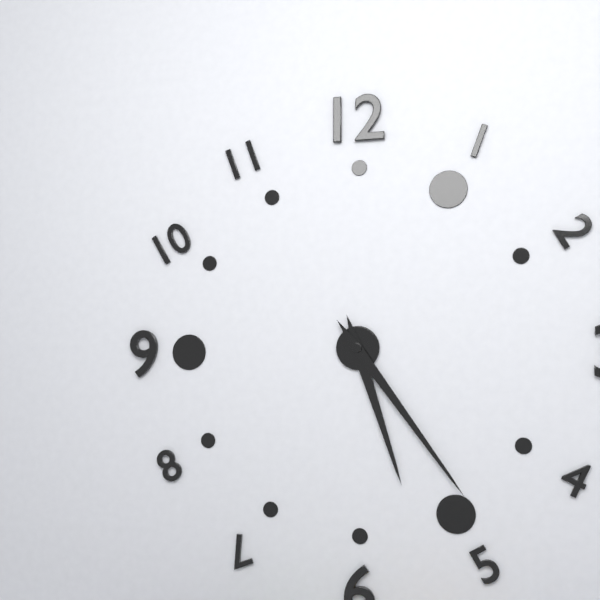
**5:24**
